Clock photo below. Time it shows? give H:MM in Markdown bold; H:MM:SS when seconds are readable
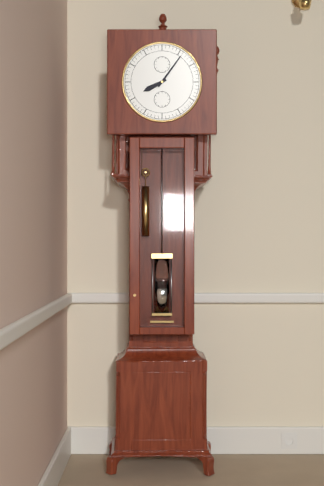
**8:06**
